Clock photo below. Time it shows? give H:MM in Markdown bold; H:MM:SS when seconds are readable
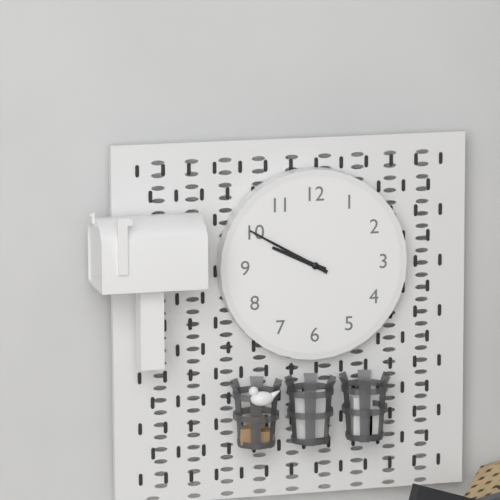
**9:50**
